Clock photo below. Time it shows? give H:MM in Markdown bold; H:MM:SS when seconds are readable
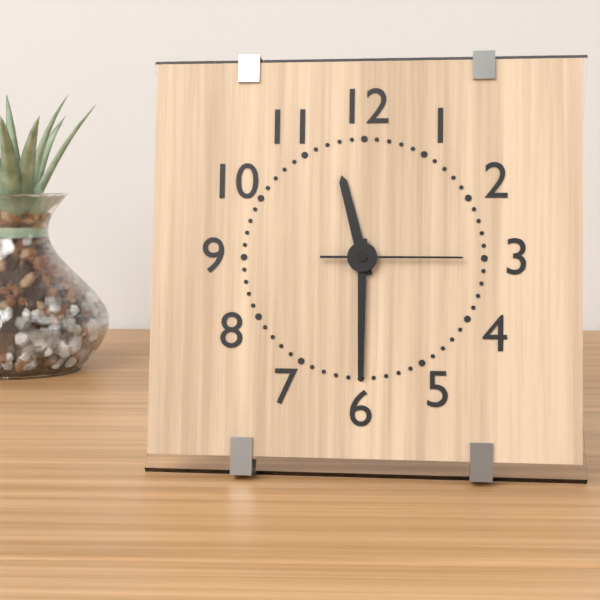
**11:30:15**
